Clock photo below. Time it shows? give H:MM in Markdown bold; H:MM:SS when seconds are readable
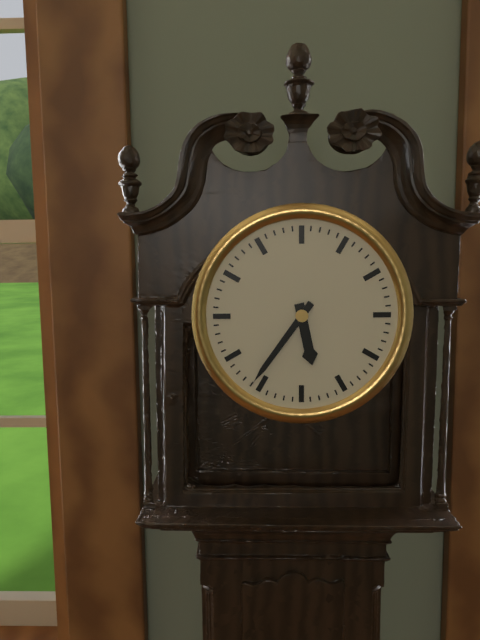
**5:36**
